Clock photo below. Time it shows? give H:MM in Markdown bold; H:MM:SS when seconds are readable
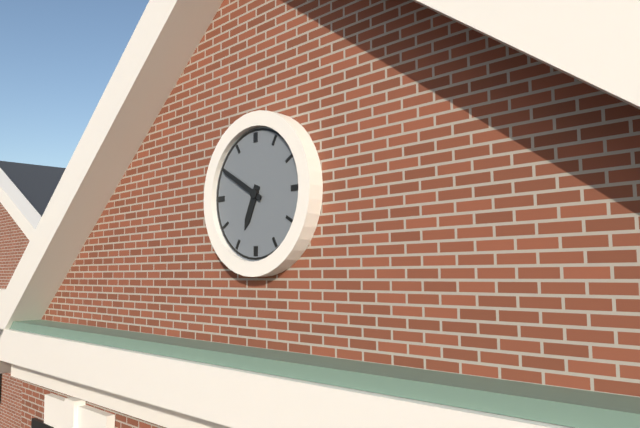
**6:50**
